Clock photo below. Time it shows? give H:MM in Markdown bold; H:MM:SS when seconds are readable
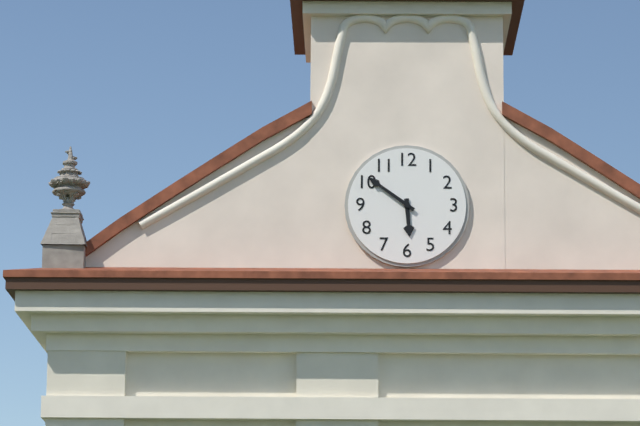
**5:51**
